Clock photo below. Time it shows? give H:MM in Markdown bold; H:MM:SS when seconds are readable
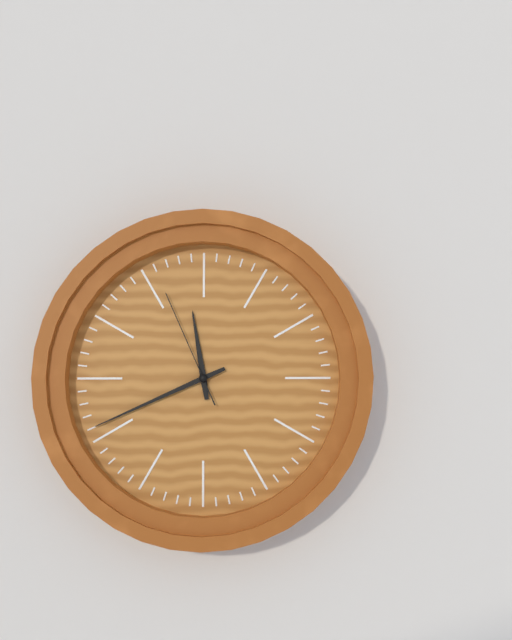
**11:41:56**
